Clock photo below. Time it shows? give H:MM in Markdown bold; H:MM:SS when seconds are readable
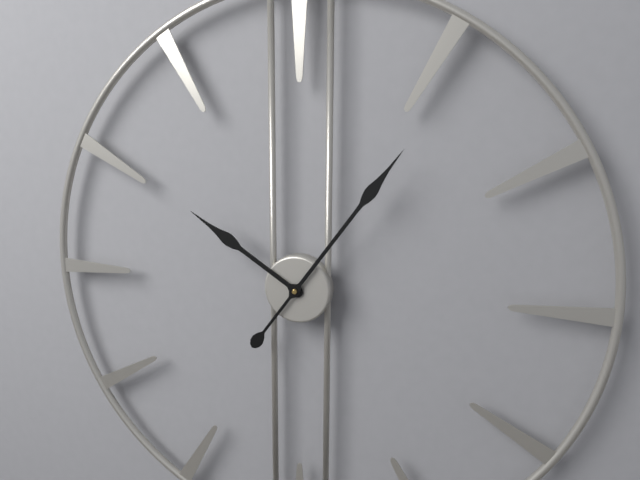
**10:06**
